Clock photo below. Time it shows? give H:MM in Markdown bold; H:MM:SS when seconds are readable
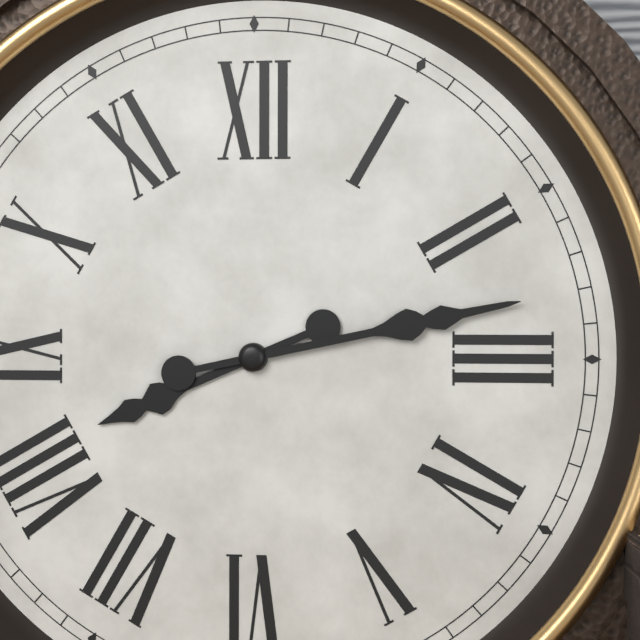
**8:13**
